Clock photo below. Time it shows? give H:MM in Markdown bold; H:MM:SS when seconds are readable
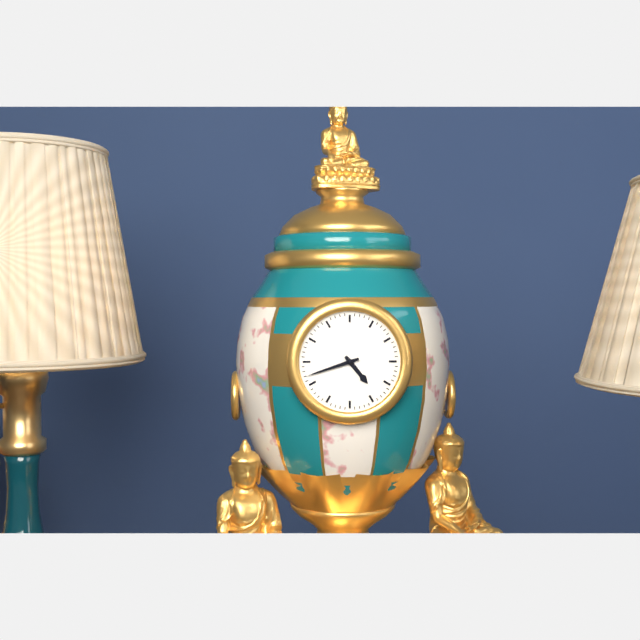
**4:42**
